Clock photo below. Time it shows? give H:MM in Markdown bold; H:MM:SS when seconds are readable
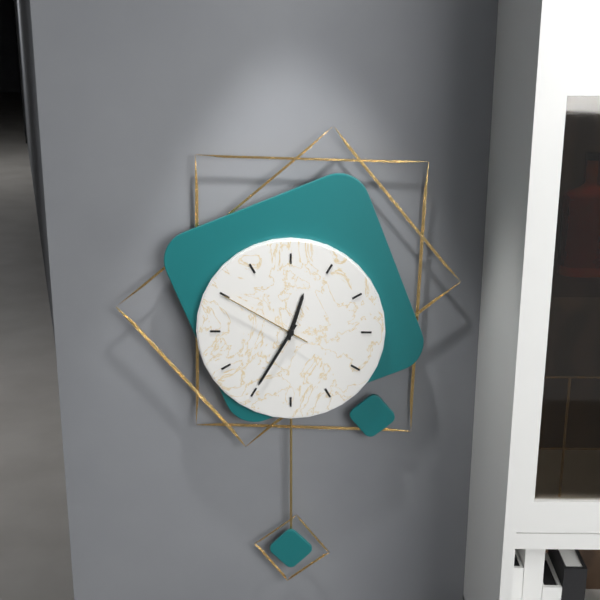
**12:35:50**
